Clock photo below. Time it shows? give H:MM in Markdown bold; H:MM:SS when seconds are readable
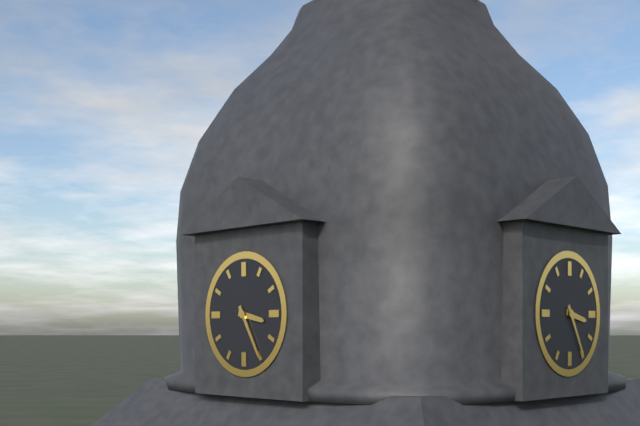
**3:25**
